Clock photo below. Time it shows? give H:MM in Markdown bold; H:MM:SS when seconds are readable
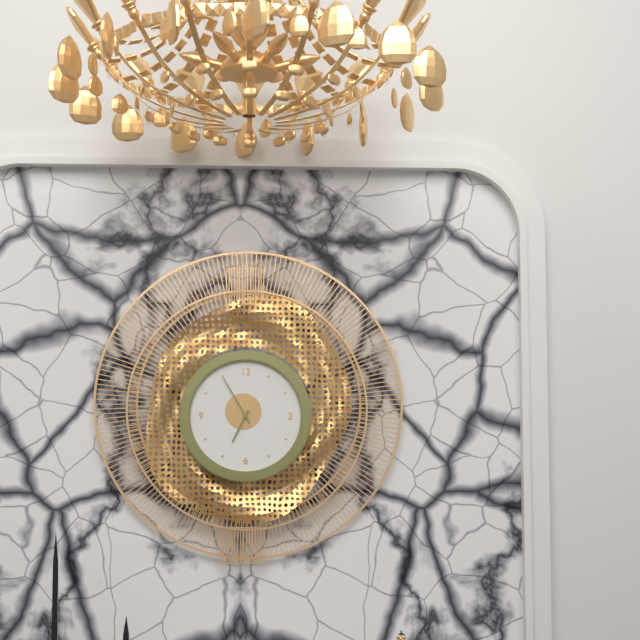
**6:55**
